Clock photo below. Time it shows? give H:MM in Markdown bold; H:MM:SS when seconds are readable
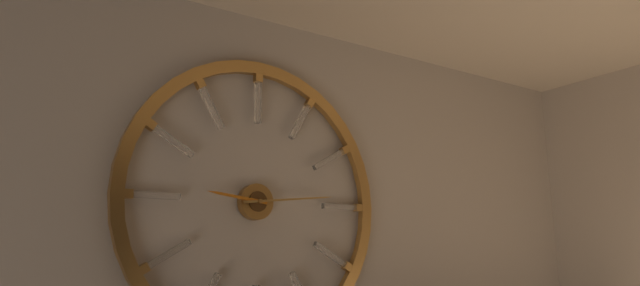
**9:14**
